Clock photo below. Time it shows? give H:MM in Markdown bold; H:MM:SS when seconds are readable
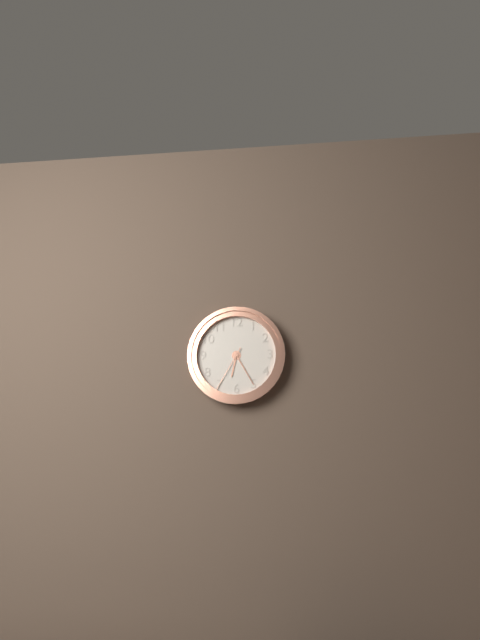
**6:25:35**
